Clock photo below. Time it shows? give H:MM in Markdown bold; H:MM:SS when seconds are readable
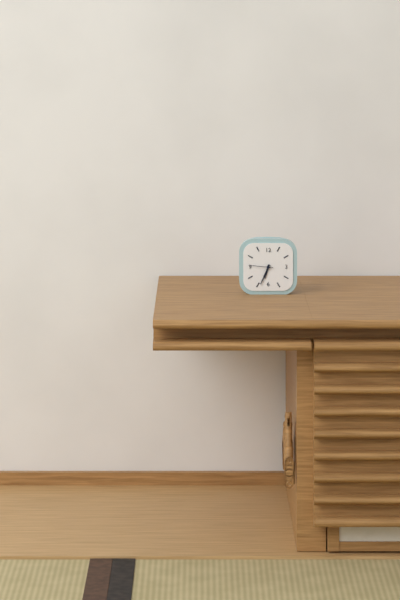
**6:34**
